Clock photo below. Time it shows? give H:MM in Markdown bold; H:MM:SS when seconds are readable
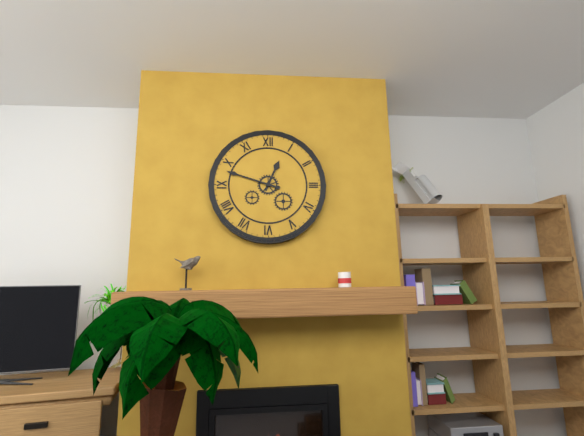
**12:48**
